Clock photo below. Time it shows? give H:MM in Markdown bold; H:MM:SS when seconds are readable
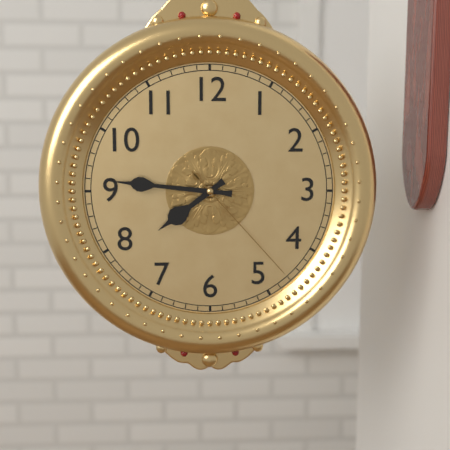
**7:46:23**
